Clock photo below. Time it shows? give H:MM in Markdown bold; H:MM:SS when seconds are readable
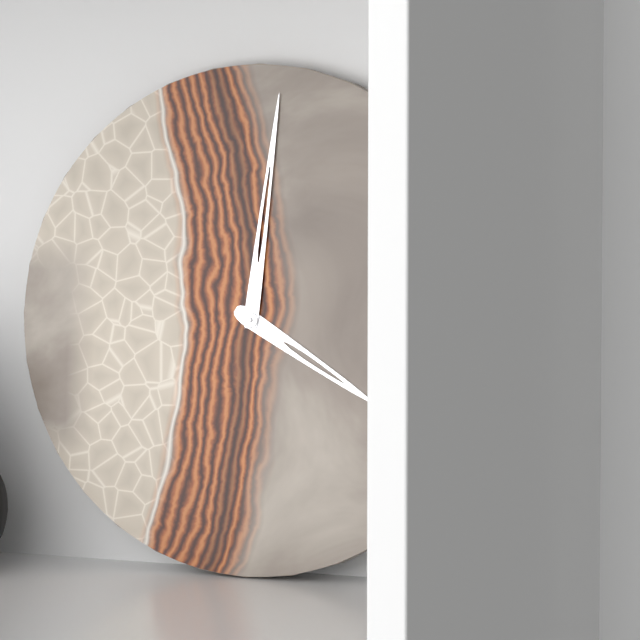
**4:01**
